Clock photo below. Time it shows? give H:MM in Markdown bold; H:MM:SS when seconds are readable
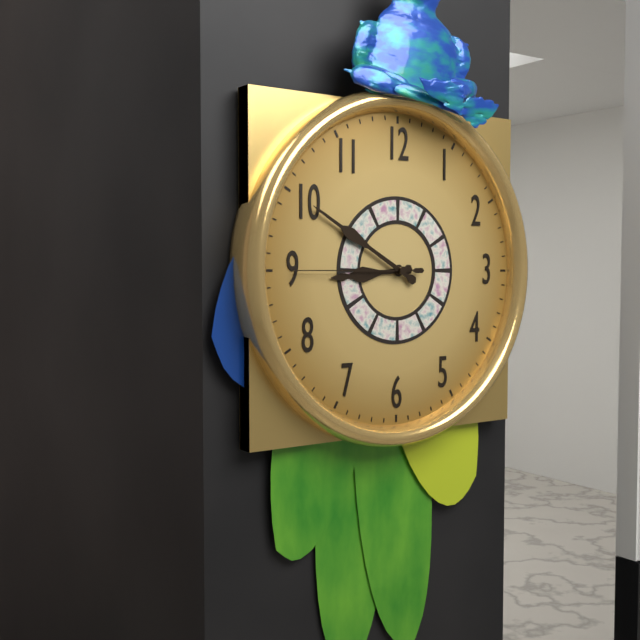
**8:50:45**
